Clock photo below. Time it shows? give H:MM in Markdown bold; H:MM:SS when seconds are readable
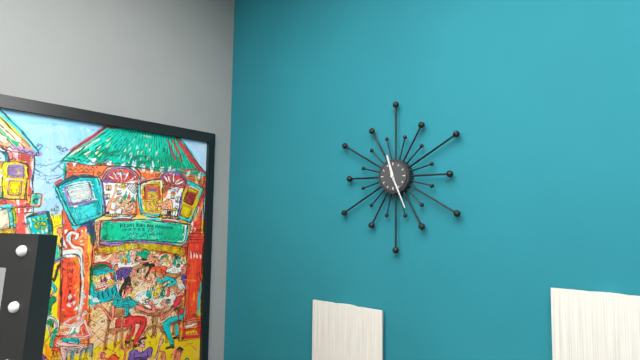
**11:26**
